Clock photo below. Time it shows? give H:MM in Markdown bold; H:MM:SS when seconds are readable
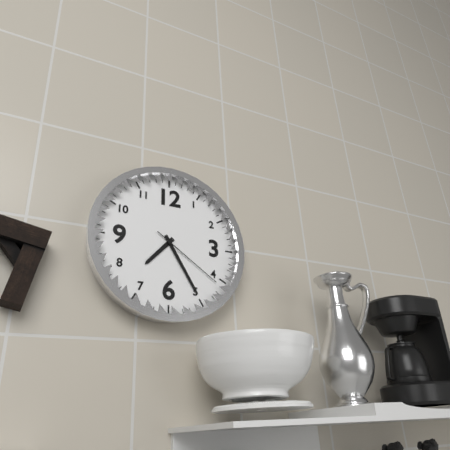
**7:25:21**
